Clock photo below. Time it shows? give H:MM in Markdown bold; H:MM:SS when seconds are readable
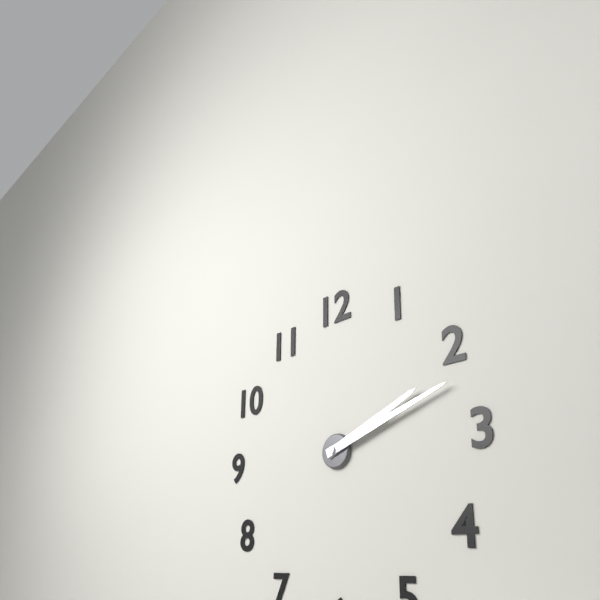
**2:12**
